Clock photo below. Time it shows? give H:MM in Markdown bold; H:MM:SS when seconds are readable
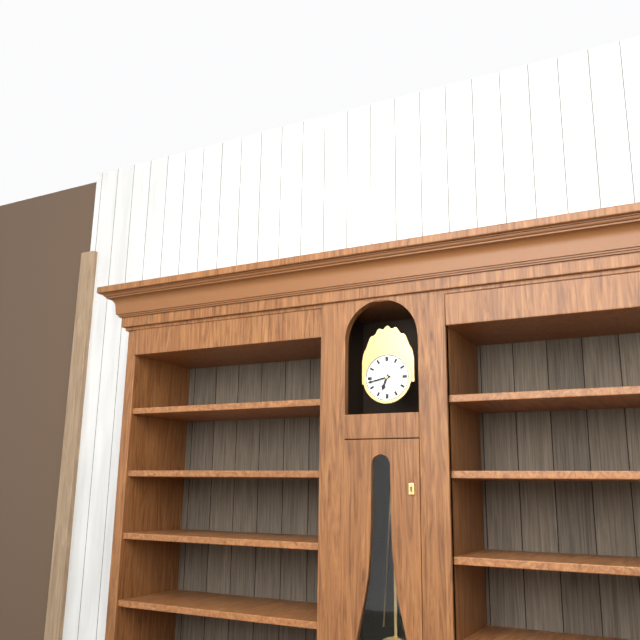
**6:43**
